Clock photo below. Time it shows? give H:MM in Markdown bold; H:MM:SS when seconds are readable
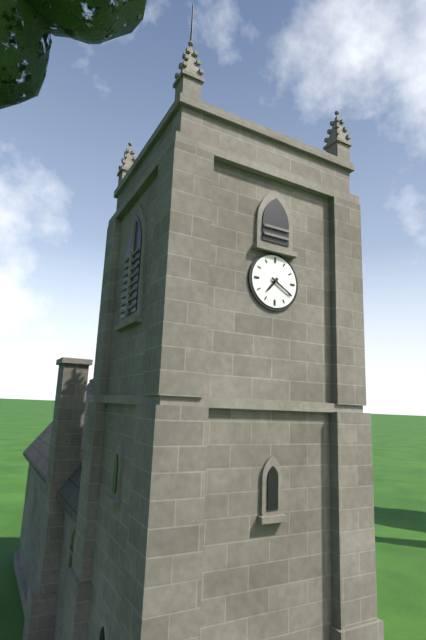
**7:20**
